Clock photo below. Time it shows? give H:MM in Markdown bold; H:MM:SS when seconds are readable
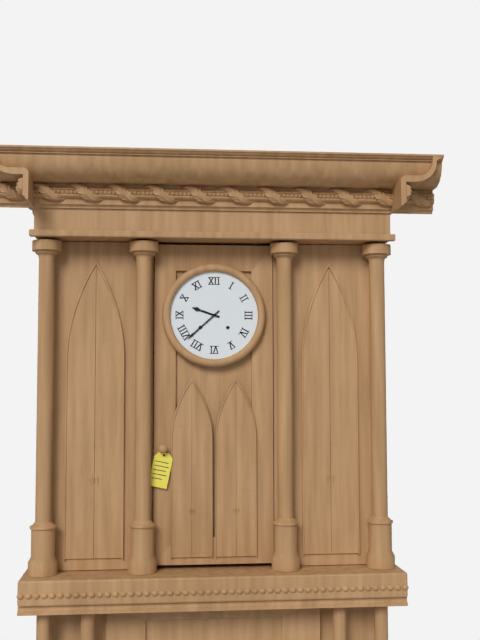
**9:38**
